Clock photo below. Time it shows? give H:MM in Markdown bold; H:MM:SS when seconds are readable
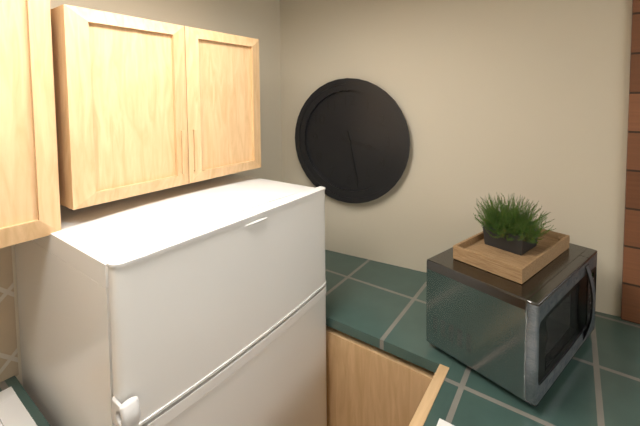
**3:28**
